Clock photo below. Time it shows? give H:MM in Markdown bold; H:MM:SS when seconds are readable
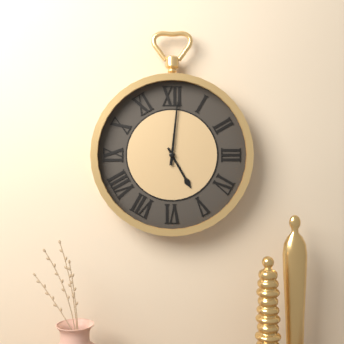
**5:01**
